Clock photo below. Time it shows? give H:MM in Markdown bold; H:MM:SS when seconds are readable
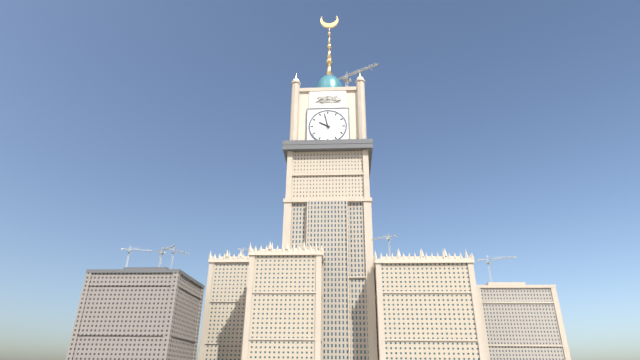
**9:58**
